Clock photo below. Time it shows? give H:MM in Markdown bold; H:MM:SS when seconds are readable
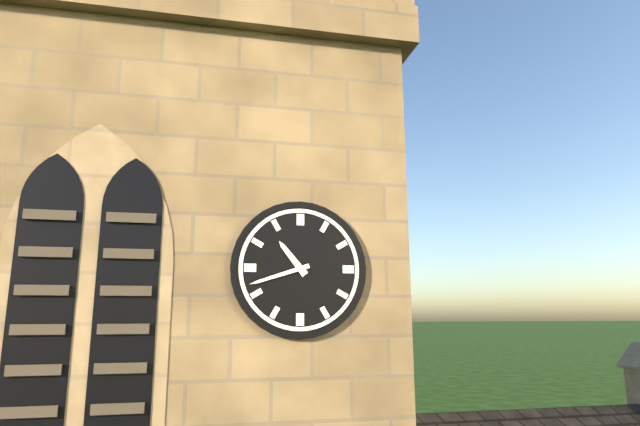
**10:42**
